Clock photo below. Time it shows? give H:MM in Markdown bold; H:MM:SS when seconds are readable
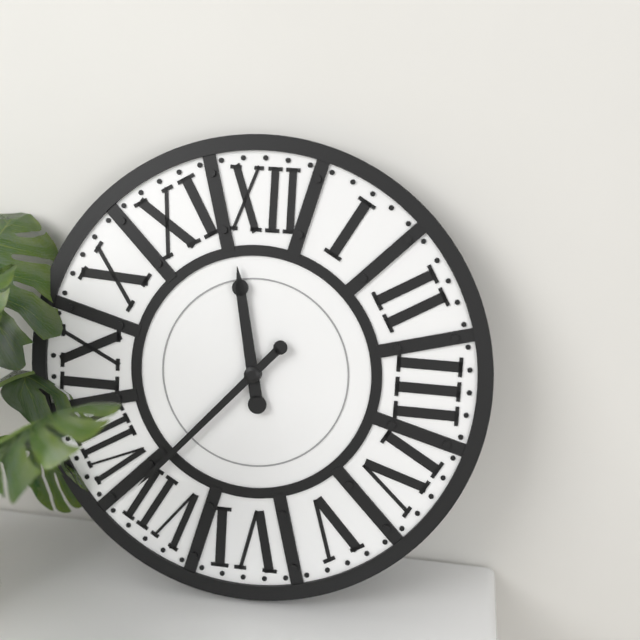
**11:37**
